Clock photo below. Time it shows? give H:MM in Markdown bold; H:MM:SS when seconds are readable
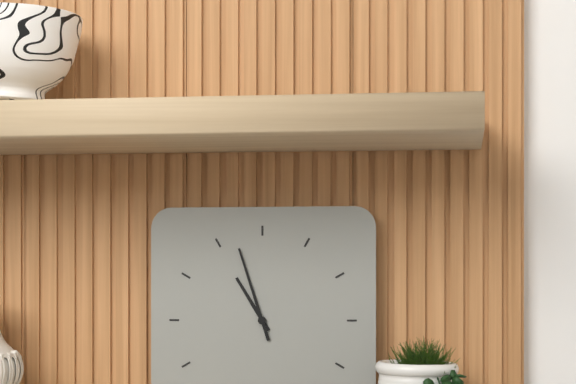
**10:57**
